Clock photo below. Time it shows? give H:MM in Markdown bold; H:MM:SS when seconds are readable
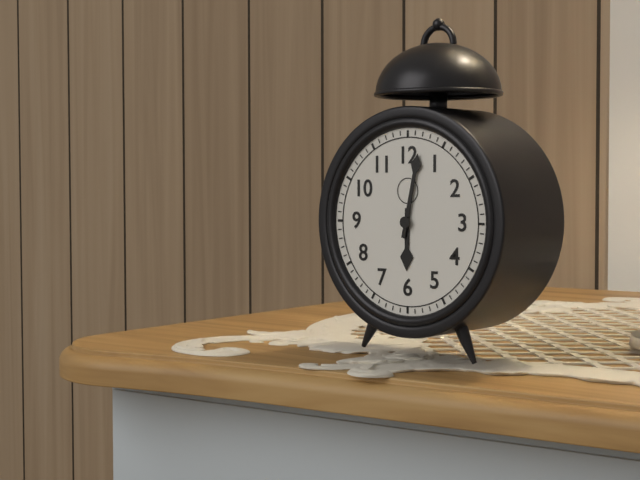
**6:02**
